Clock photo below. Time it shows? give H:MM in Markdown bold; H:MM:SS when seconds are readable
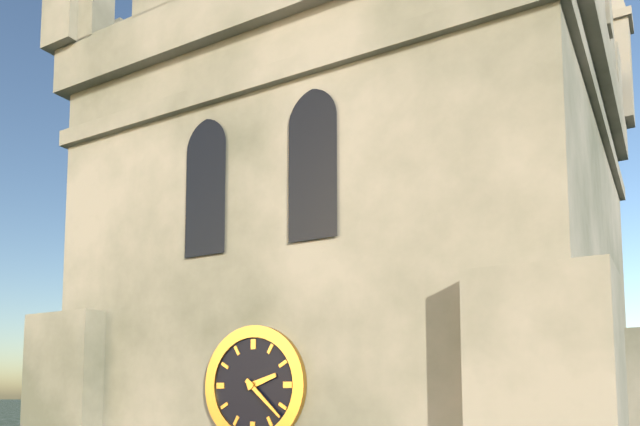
**2:22**
